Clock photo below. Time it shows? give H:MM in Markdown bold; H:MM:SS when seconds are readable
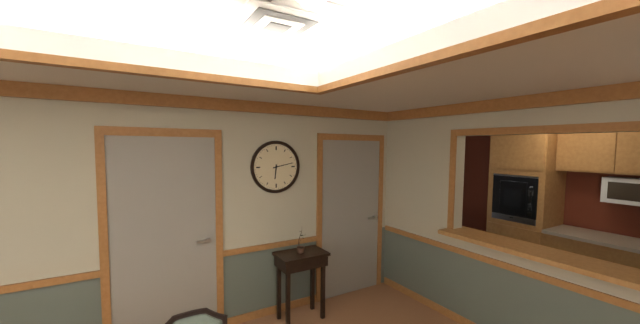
**6:13**
